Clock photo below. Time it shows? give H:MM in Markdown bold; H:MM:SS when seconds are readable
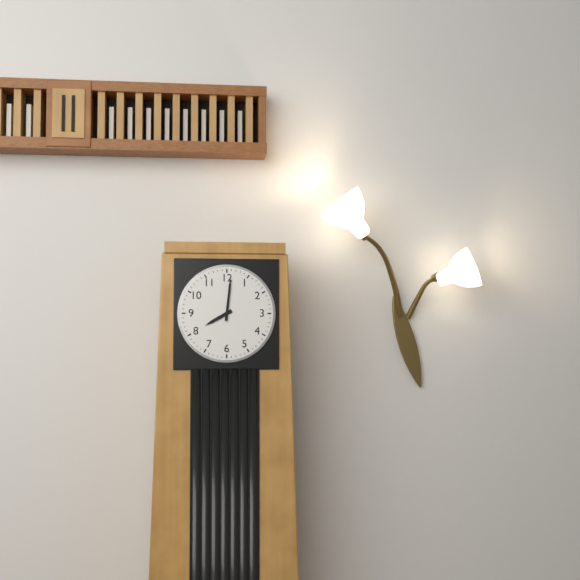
**8:01**
